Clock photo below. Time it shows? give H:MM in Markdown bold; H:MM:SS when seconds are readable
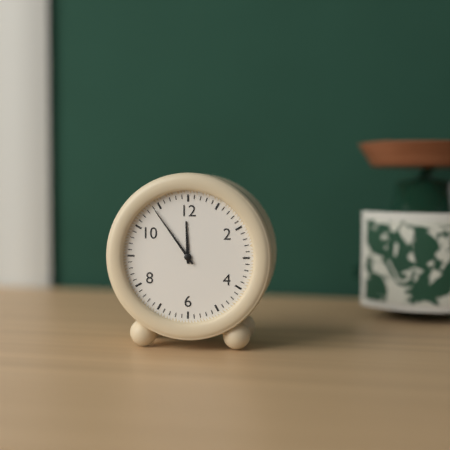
**11:54**
